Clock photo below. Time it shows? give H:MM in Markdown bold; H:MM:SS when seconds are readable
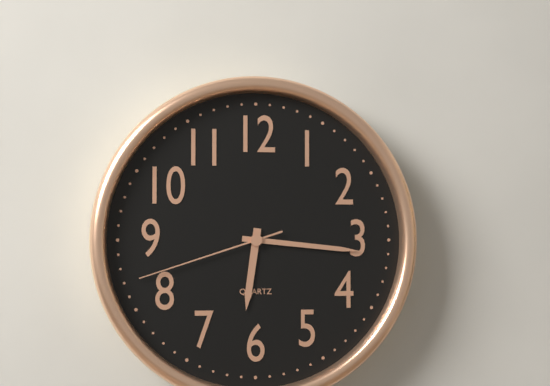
**6:16:42**
